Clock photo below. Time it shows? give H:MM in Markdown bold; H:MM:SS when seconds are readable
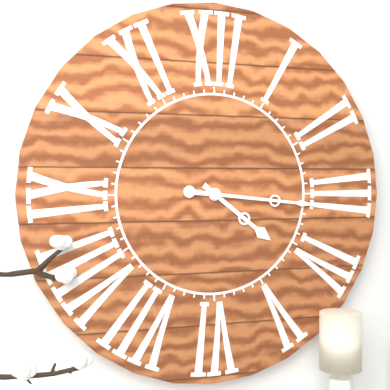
**4:16**
